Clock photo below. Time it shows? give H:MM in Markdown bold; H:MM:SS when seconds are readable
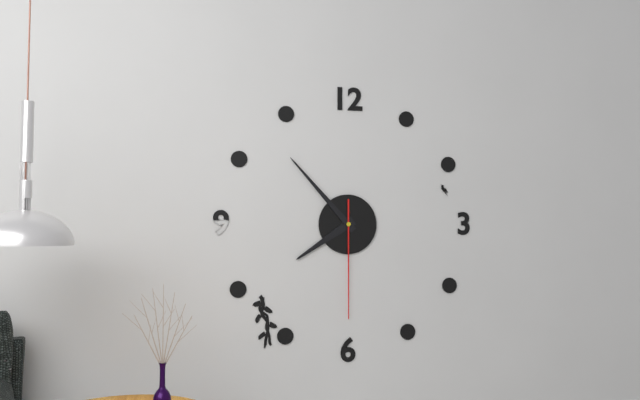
**7:53:30**
